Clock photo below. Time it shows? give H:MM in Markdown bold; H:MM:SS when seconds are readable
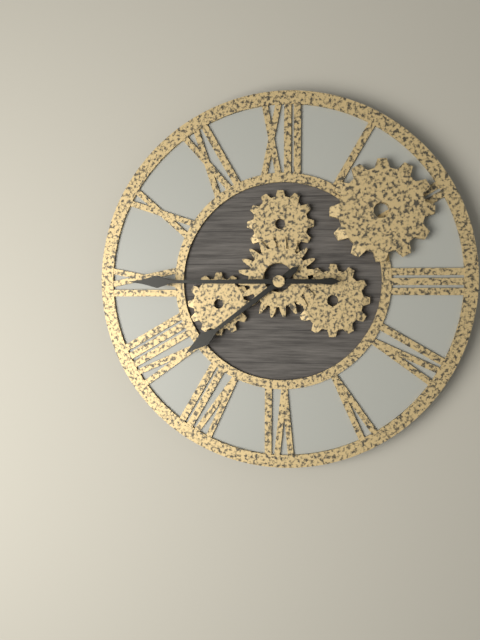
**7:45**
